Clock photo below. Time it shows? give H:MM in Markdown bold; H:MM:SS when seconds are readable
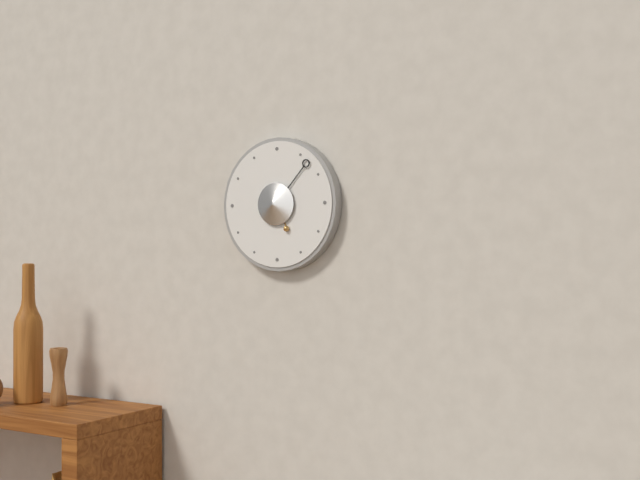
**5:07**
